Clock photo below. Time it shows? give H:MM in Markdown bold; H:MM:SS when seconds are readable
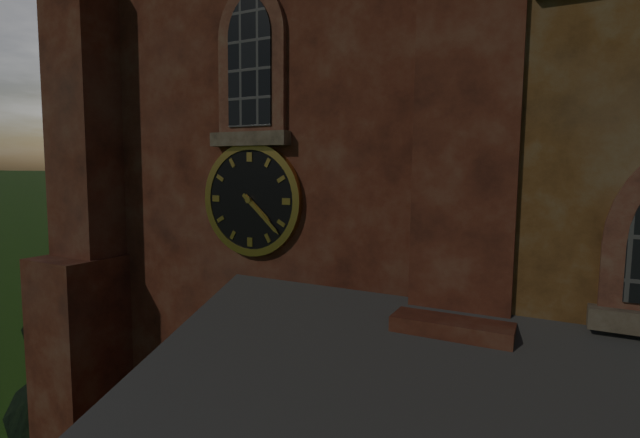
**4:22**
